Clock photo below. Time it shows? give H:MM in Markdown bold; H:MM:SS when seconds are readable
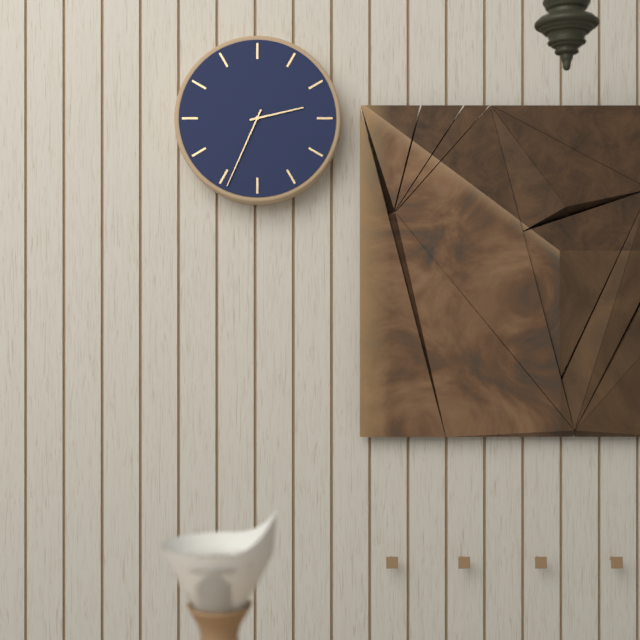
**2:34**
